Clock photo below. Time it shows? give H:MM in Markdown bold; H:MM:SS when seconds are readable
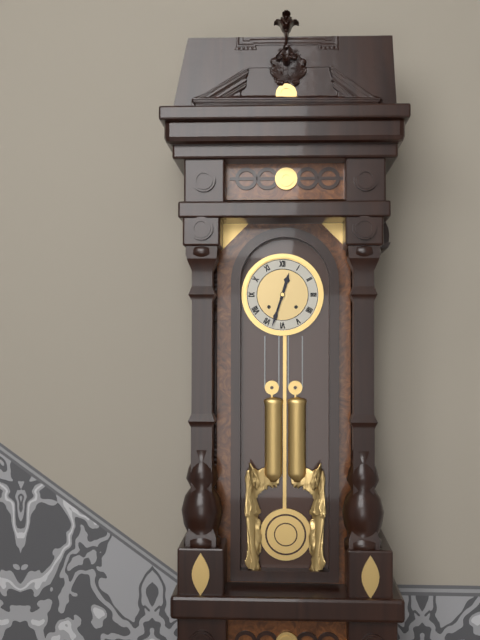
**12:33**
